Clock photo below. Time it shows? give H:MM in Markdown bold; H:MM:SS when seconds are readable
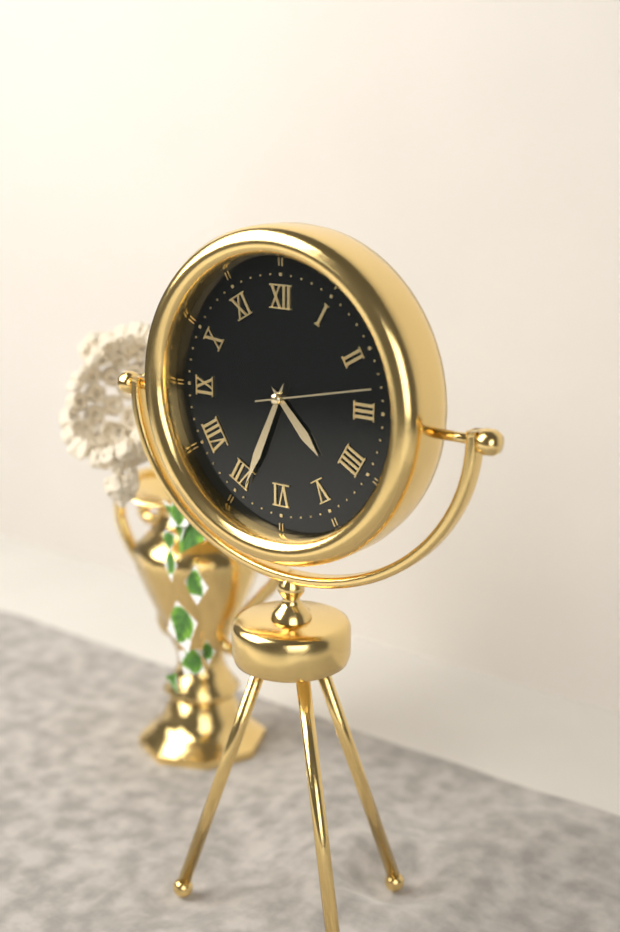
**4:34:13**
